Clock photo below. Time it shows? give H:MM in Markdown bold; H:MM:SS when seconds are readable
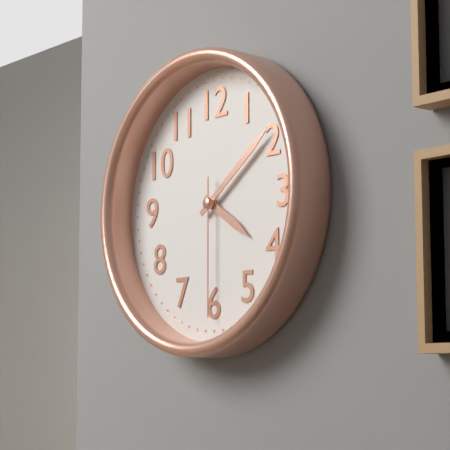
**4:09:30**
